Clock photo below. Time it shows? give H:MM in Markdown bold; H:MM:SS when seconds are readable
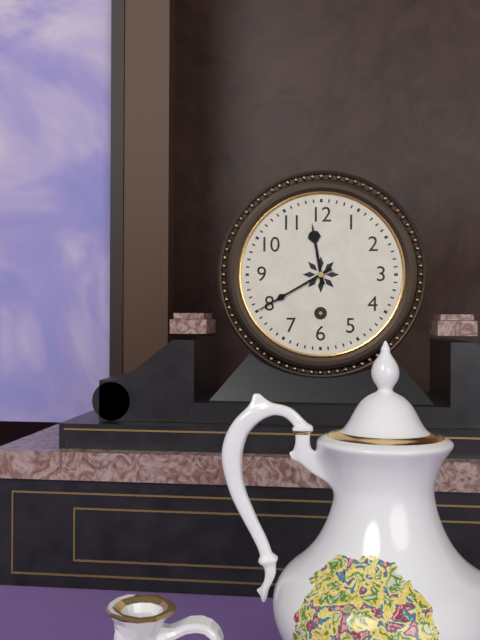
**11:40**
